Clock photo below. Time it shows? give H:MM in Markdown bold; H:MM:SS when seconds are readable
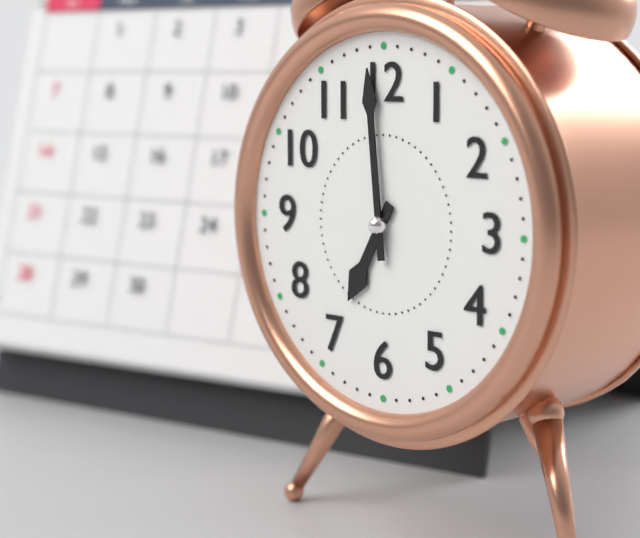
**6:59**
